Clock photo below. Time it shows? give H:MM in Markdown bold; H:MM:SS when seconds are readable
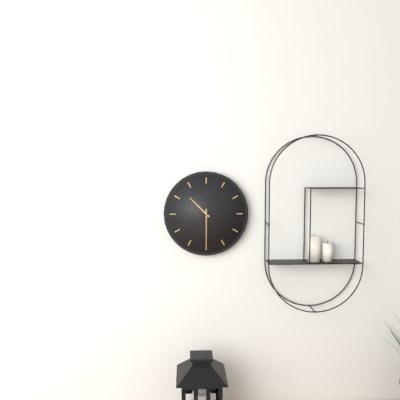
**10:30**
